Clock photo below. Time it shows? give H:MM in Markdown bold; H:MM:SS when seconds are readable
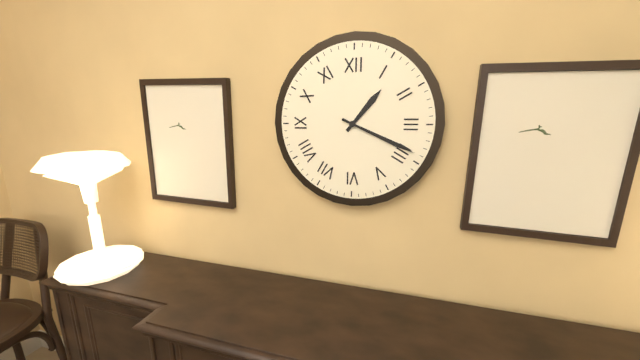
**1:19**
